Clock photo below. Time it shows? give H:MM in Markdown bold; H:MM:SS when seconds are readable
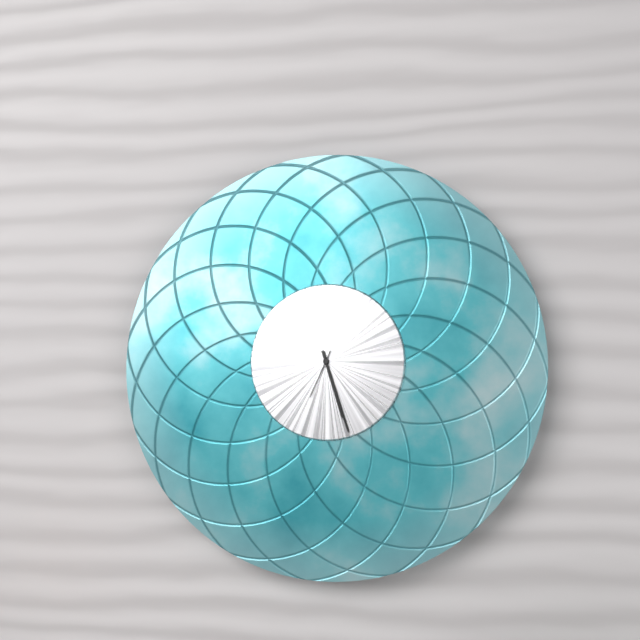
**5:27**
